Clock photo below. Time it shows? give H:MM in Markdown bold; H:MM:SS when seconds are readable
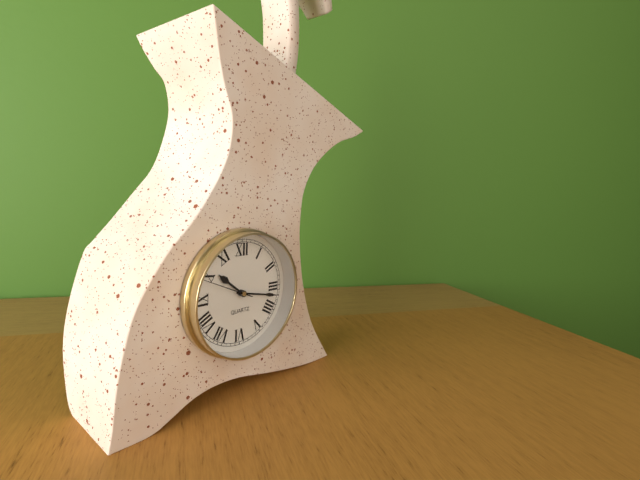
**10:17**
